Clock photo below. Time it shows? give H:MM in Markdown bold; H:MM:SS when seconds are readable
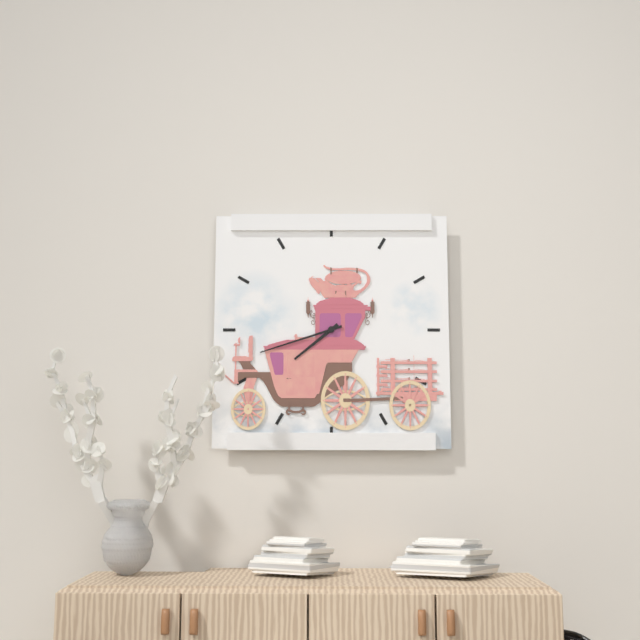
**7:42**
